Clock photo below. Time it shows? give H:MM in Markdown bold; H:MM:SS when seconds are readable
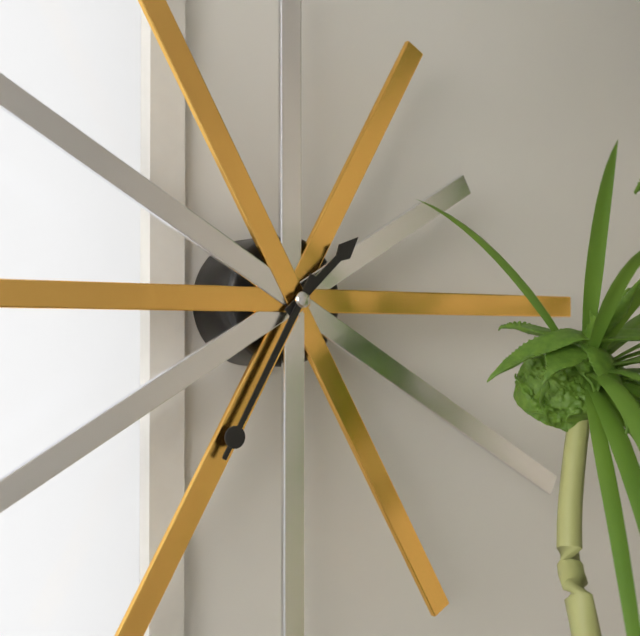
**1:35**
